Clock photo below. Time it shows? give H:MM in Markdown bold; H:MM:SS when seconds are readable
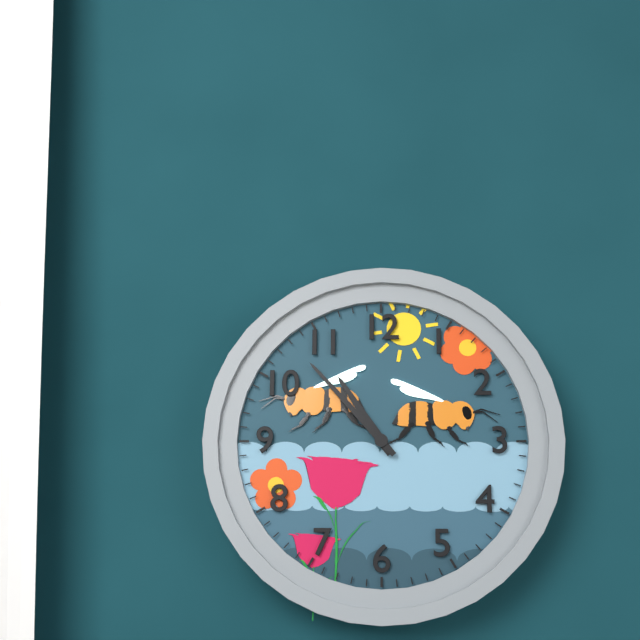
**10:53**
